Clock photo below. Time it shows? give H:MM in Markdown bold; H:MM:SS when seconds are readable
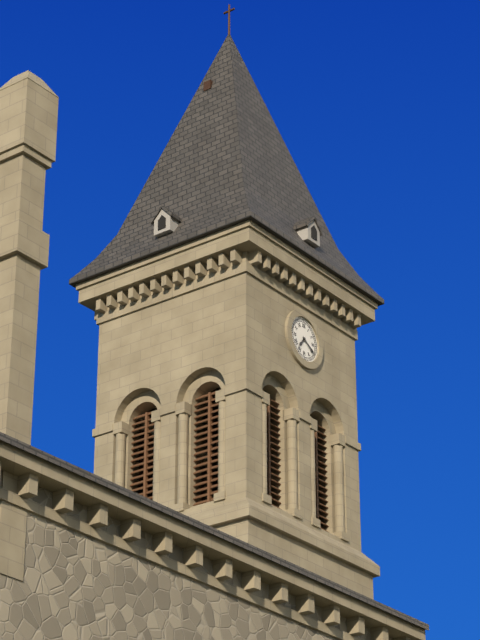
**7:20**
